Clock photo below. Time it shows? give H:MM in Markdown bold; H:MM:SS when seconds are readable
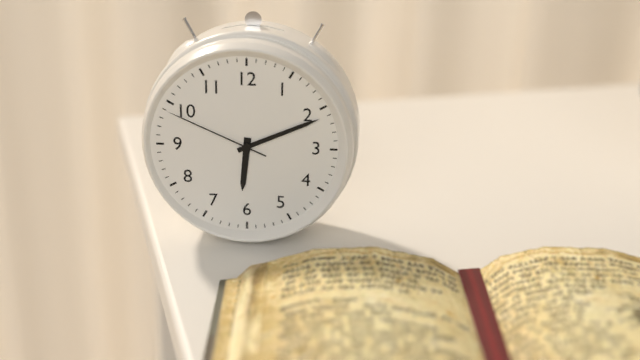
**6:11:49**
